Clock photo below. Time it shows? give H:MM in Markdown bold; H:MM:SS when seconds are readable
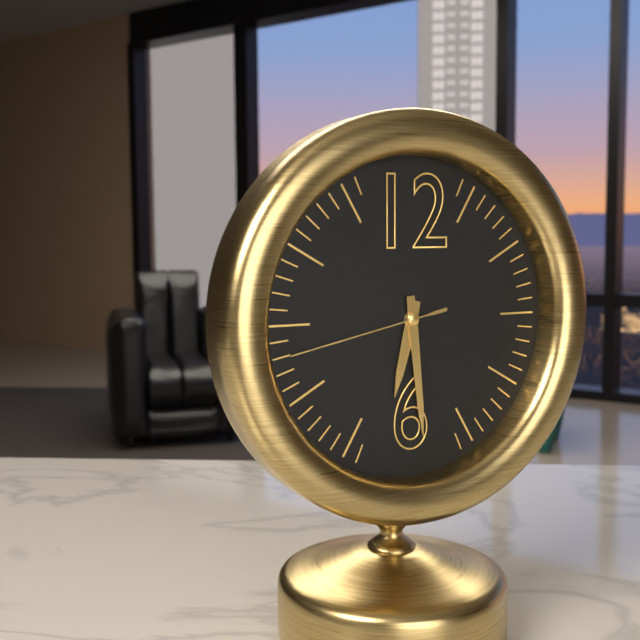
**6:29:43**
